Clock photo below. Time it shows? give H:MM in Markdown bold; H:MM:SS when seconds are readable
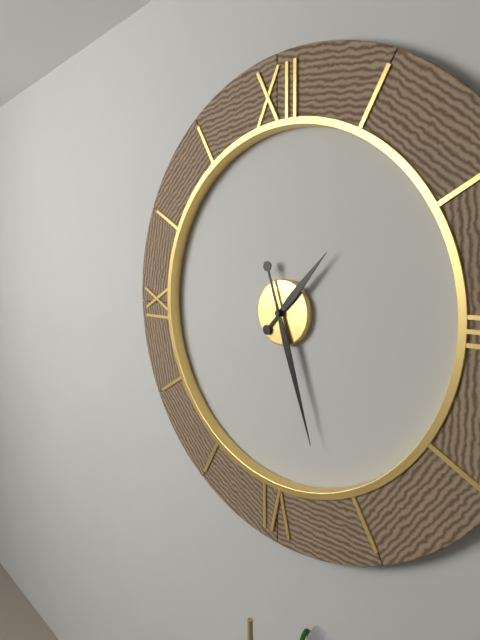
**1:27**
